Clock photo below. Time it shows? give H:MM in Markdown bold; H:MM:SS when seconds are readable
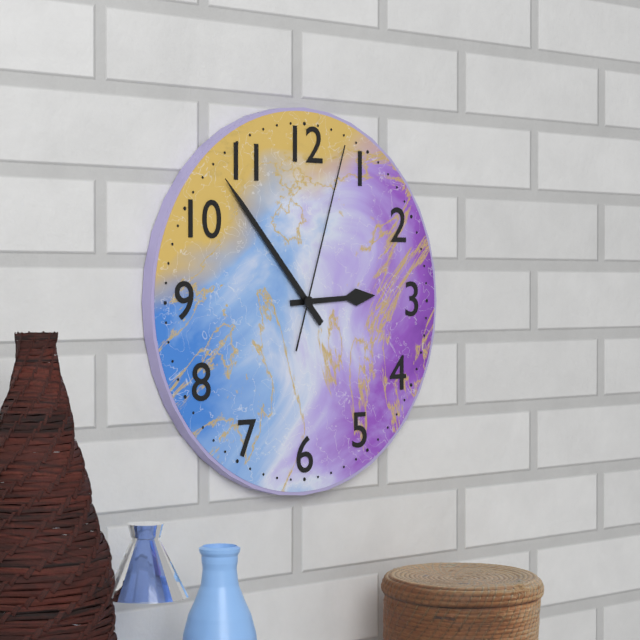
**2:53:03**
